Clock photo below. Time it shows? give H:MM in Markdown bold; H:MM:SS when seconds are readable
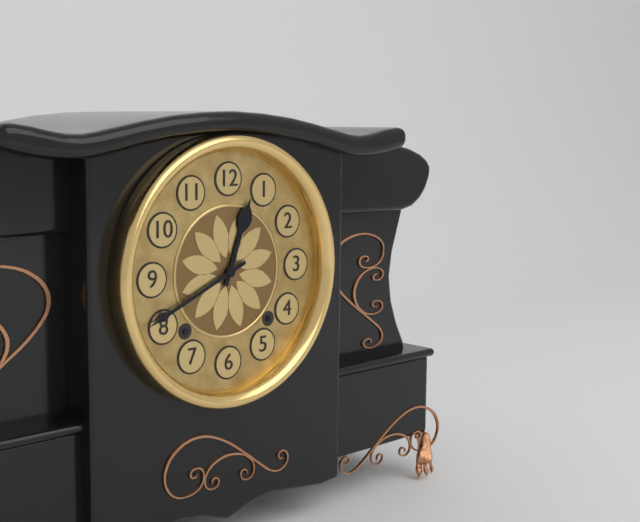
**12:41**
